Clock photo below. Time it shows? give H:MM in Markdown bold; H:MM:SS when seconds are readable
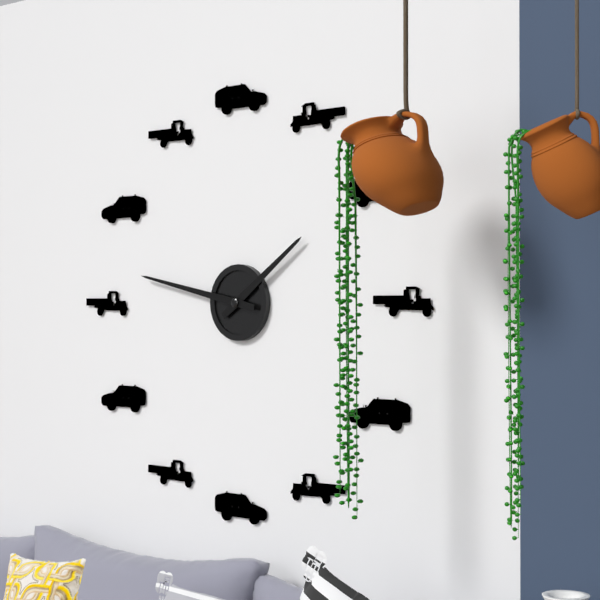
**1:47**
